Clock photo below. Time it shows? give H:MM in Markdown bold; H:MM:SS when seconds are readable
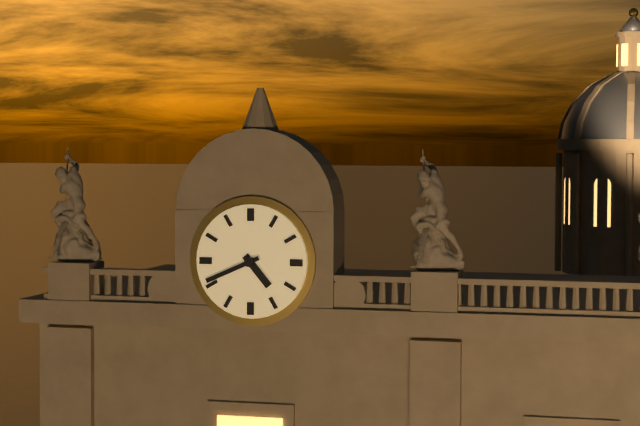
**4:41**
